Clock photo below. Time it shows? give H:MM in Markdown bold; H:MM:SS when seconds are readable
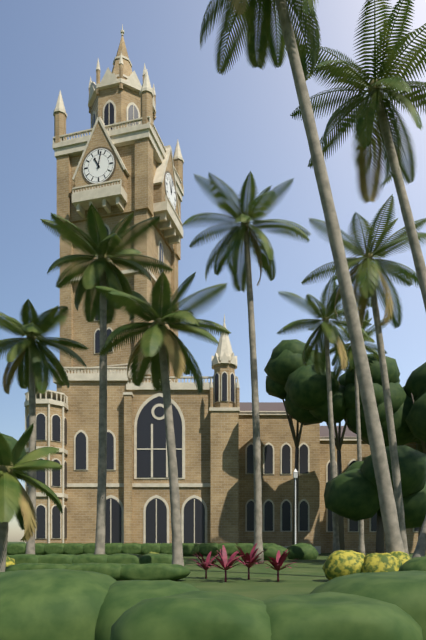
**11:02**
